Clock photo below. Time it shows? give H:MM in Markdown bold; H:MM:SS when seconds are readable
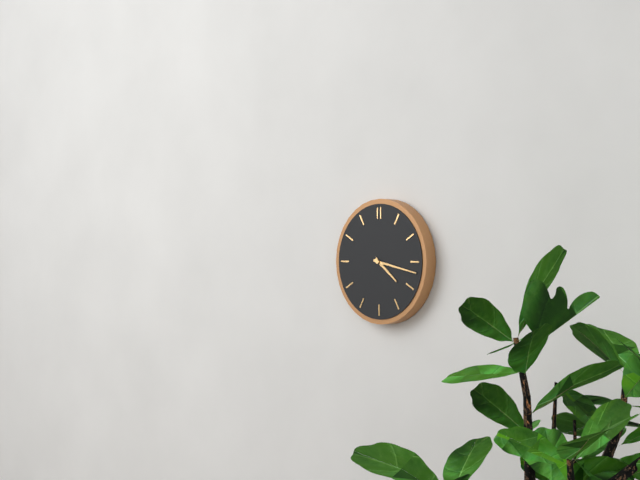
**4:17**
